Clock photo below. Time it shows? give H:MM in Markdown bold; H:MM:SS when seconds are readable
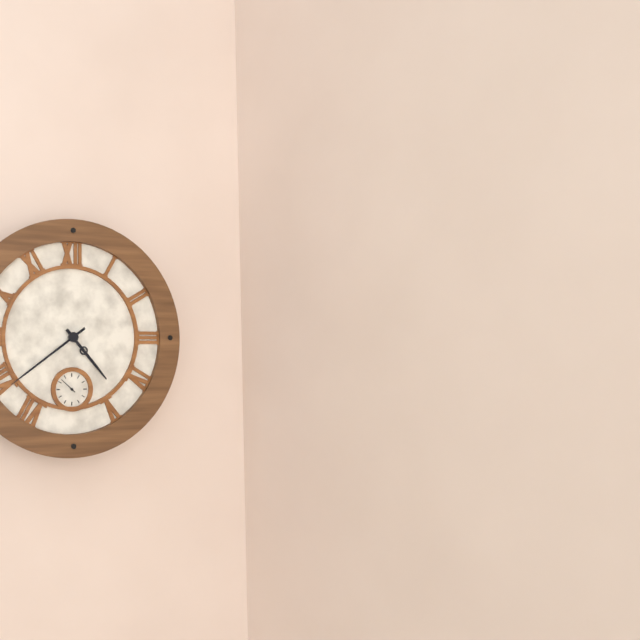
**4:39**
